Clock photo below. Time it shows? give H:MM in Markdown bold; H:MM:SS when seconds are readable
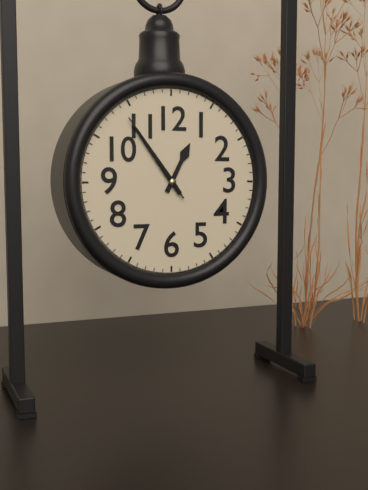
**12:54:54**
